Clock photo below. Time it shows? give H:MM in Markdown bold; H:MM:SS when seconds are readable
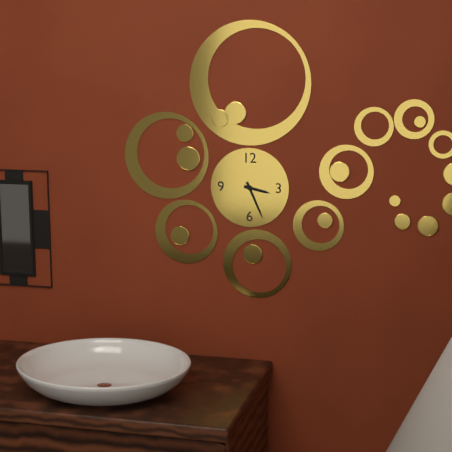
**3:26**
